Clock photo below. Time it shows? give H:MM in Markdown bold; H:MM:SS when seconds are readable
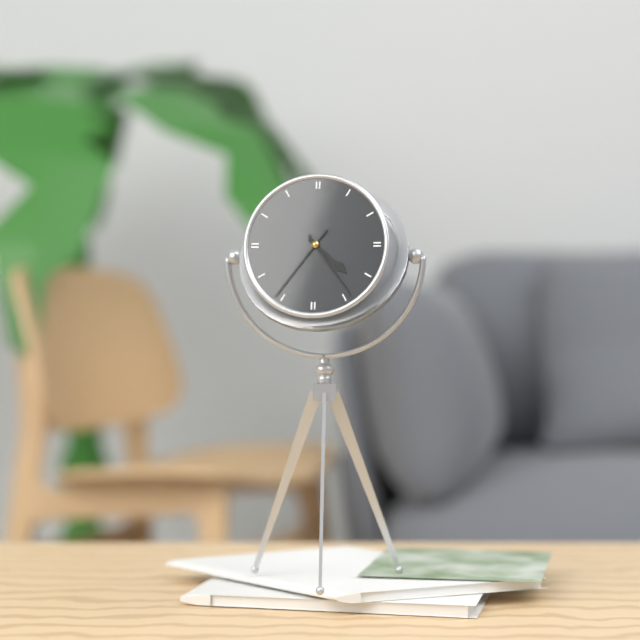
**4:24:36**
